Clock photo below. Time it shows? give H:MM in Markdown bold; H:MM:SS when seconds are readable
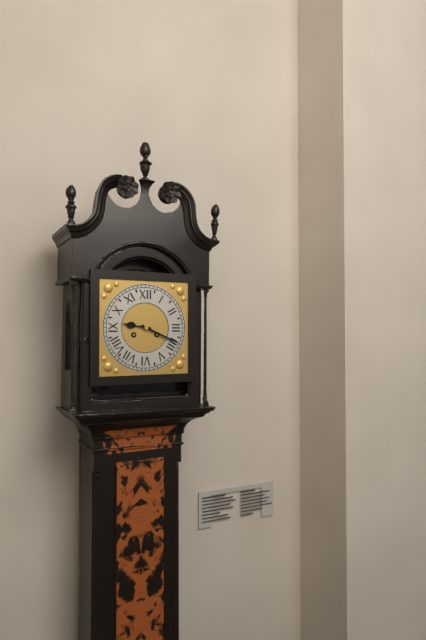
**9:19**
